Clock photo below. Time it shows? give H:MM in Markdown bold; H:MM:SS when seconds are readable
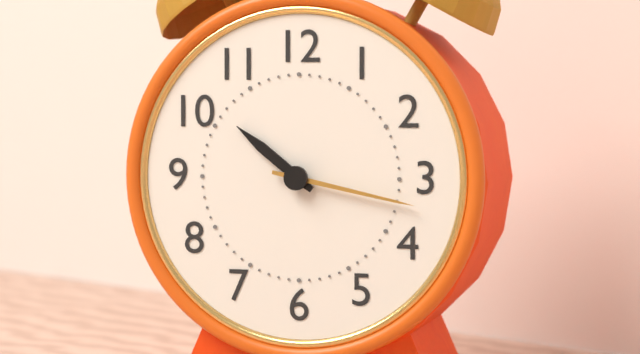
**10:17**
